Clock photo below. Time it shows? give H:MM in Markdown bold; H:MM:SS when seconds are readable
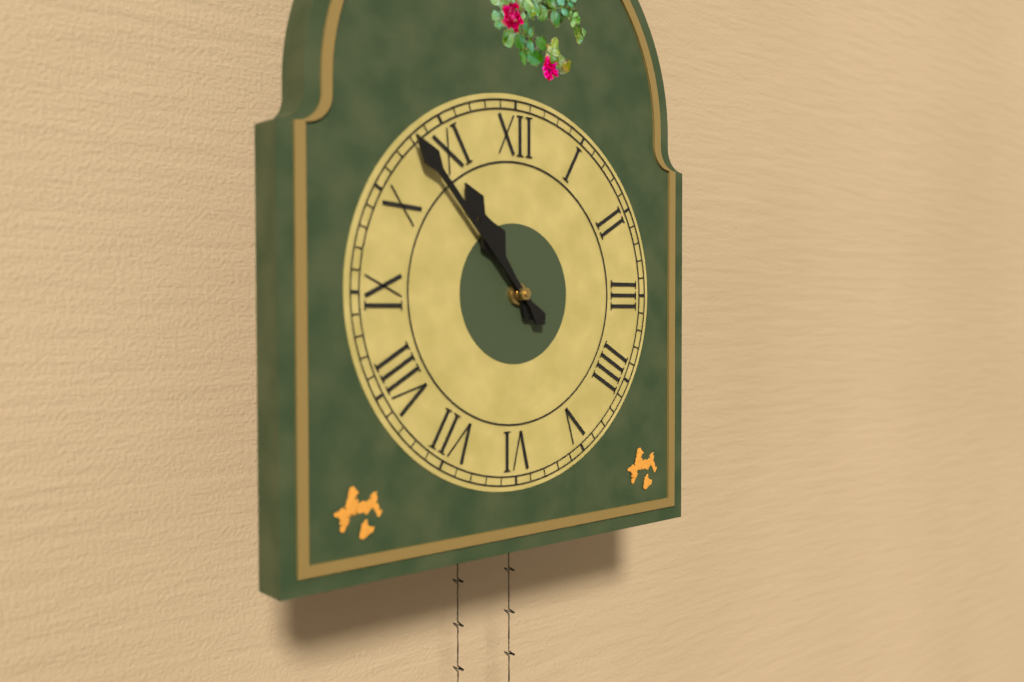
**10:53**
